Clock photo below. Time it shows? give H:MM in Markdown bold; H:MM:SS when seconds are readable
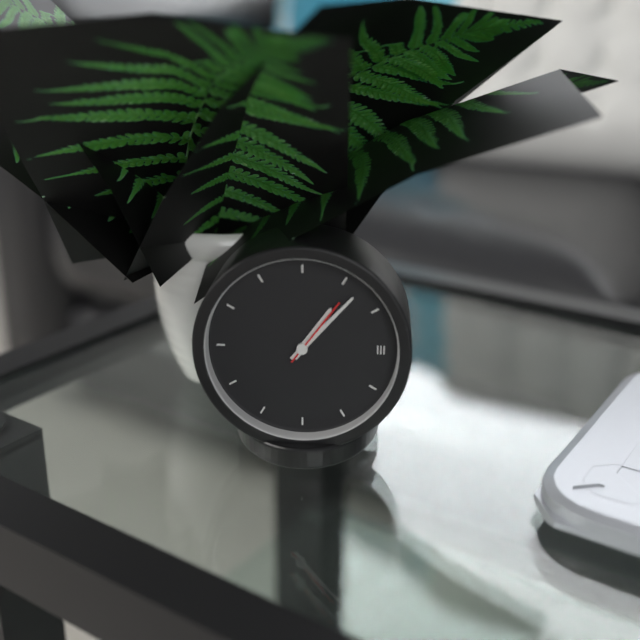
**1:07:06**
